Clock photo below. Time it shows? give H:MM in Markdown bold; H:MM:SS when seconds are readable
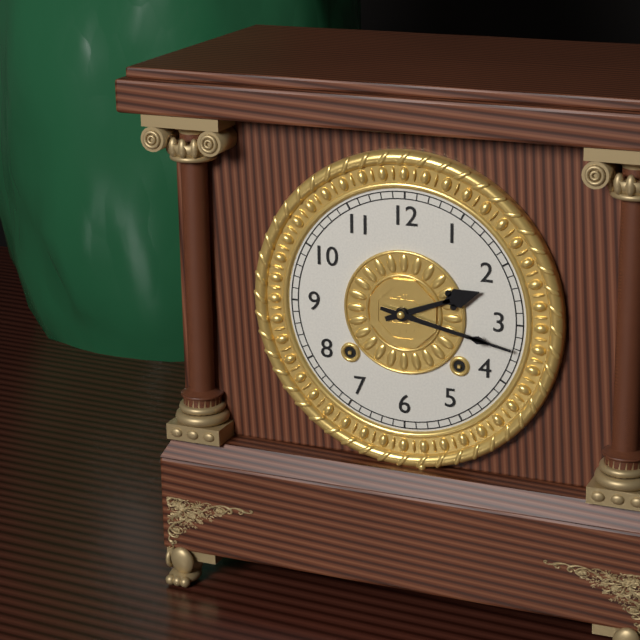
**2:17**
